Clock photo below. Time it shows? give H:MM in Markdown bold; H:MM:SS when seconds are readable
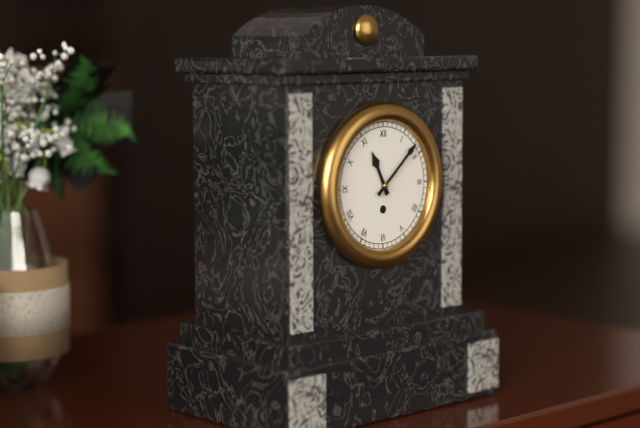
**11:08**
